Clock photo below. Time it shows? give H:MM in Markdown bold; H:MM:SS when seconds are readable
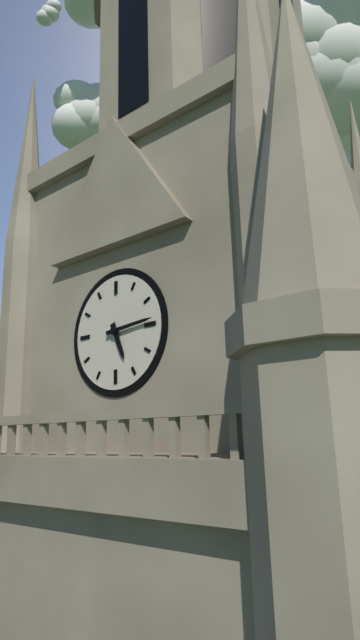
**5:14**
